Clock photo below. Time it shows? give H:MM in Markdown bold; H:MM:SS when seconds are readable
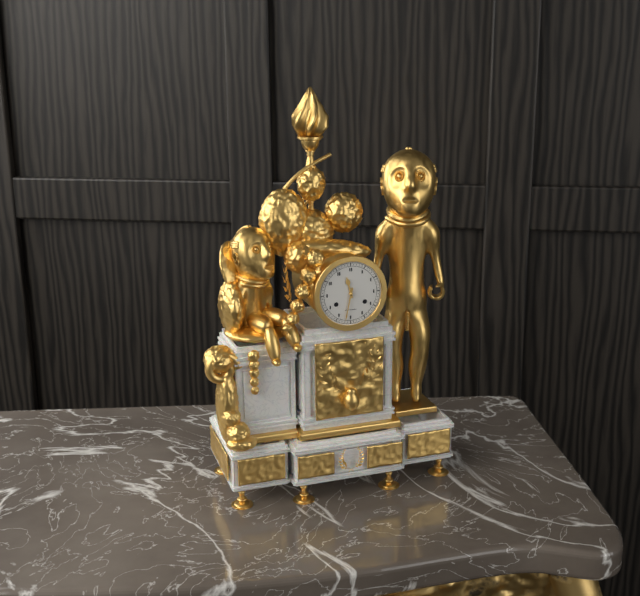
**11:32**
